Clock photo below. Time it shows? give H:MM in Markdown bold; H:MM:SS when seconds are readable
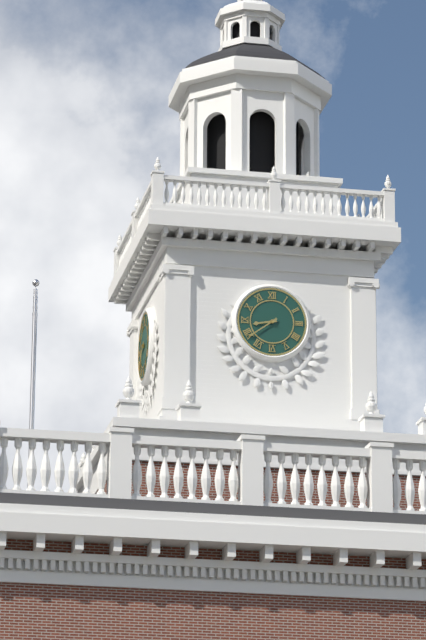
**8:39**
